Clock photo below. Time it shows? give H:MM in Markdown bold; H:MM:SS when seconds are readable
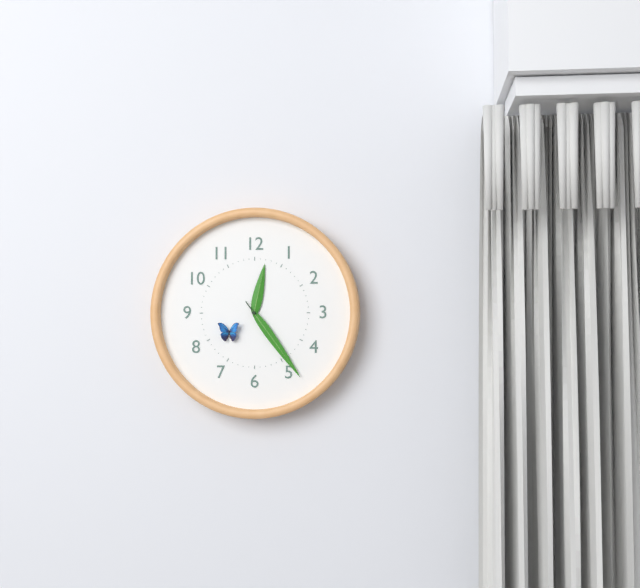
**12:24**
